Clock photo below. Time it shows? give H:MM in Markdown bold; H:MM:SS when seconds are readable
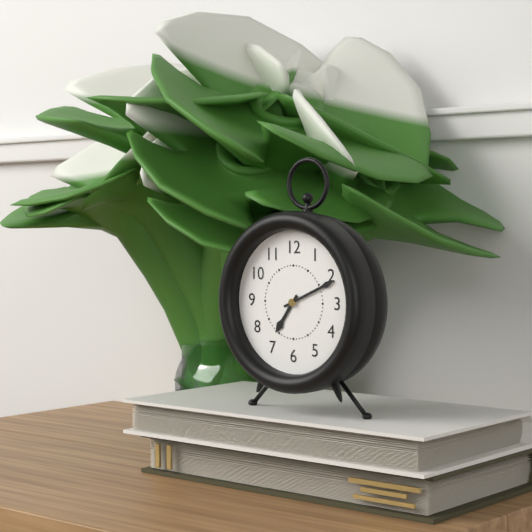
**7:11**
